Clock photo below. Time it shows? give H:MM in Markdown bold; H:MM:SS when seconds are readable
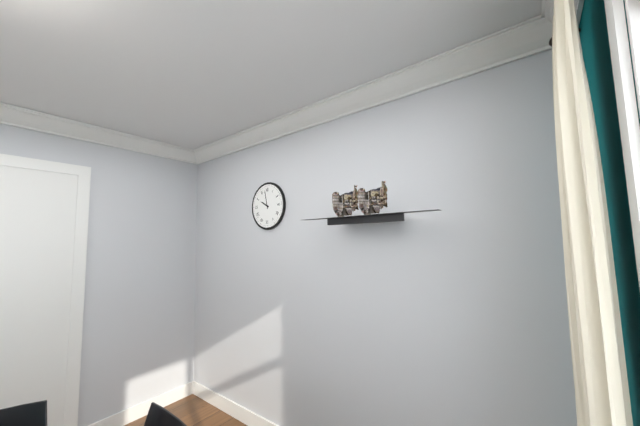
**9:58**
